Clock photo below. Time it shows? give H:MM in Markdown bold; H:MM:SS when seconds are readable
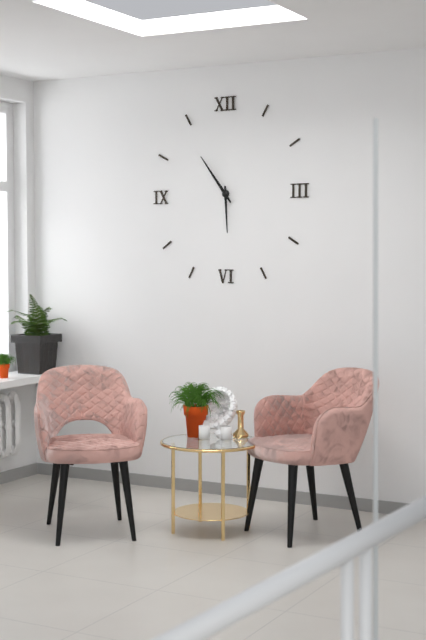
**5:54**
